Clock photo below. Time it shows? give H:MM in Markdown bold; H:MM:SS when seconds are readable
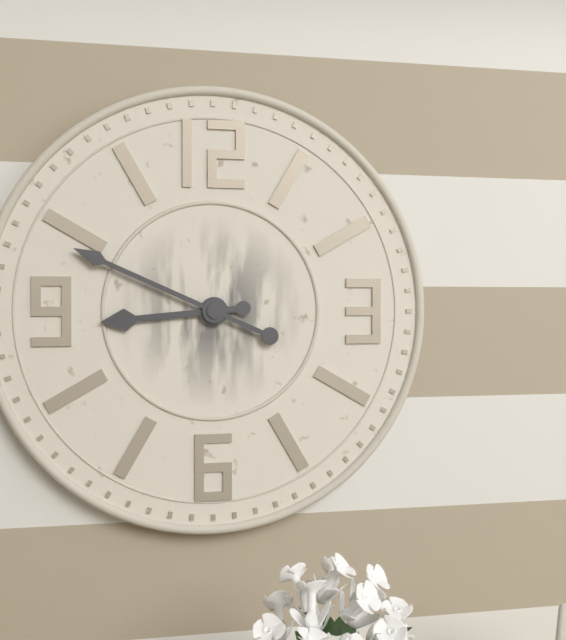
**8:49**
